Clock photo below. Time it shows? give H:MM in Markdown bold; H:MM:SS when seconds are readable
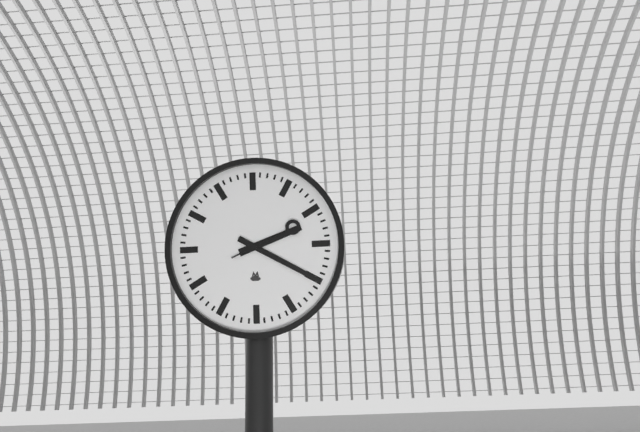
**2:20:11**
